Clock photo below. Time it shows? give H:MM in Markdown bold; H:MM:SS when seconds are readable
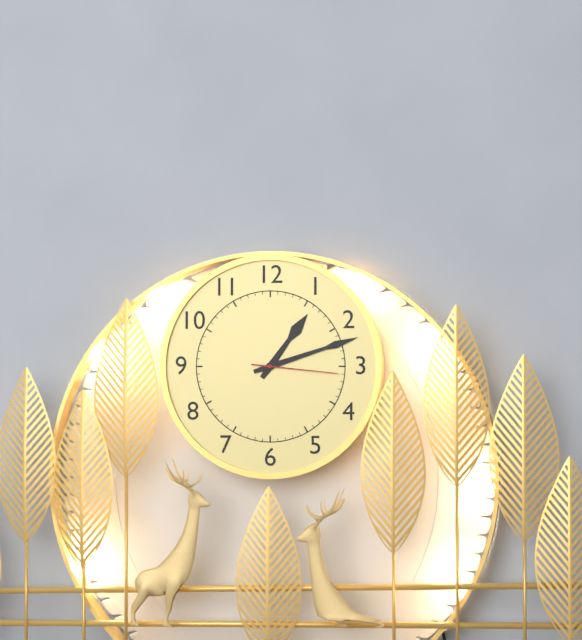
**1:12:16**
